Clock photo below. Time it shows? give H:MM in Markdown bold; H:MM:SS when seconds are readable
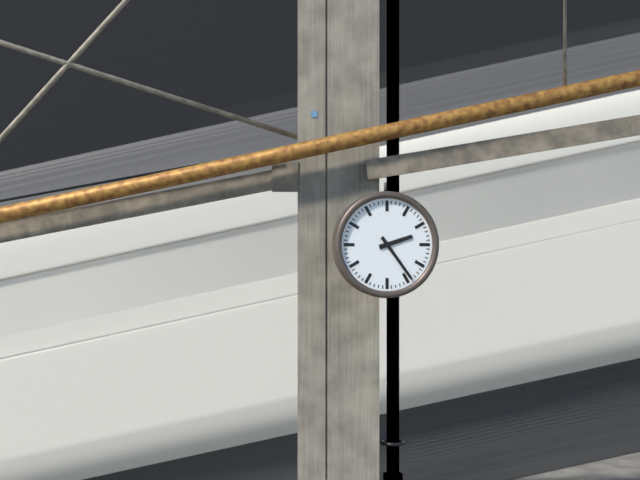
**2:24**
